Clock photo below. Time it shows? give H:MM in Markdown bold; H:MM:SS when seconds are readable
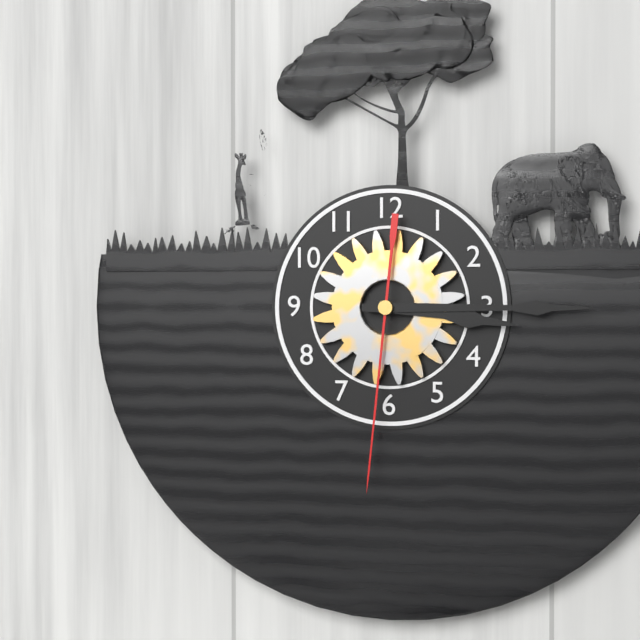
**3:15:31**
